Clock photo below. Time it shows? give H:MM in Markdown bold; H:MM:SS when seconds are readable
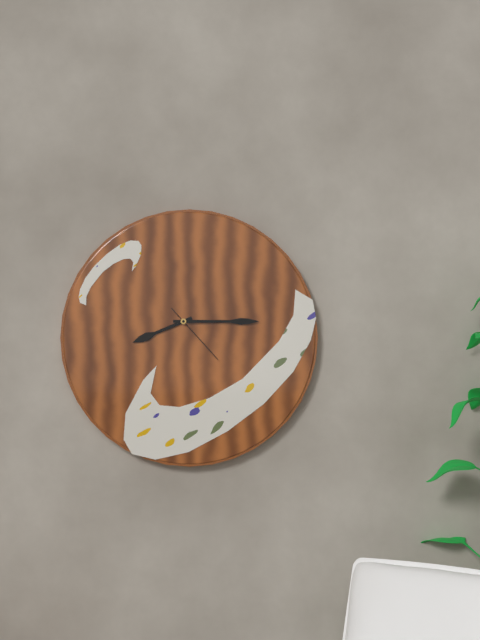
**8:15:23**
